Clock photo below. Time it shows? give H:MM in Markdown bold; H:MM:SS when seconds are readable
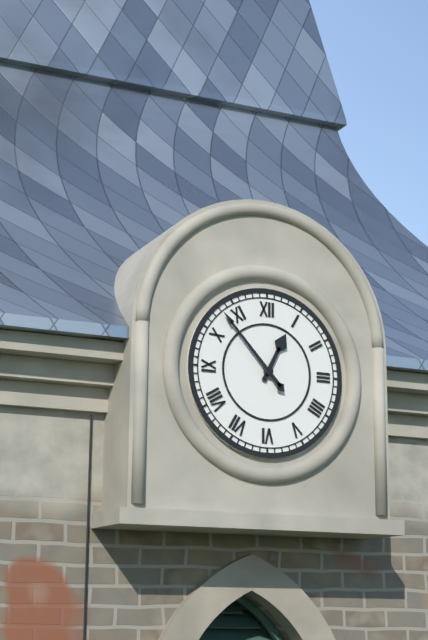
**12:53**
